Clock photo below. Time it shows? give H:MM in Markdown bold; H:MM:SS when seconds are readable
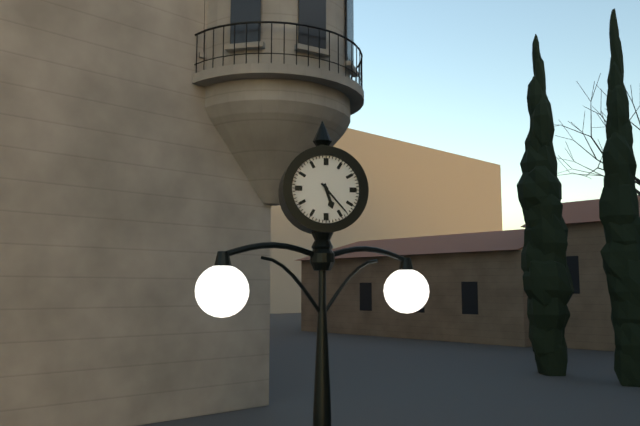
**5:23**
